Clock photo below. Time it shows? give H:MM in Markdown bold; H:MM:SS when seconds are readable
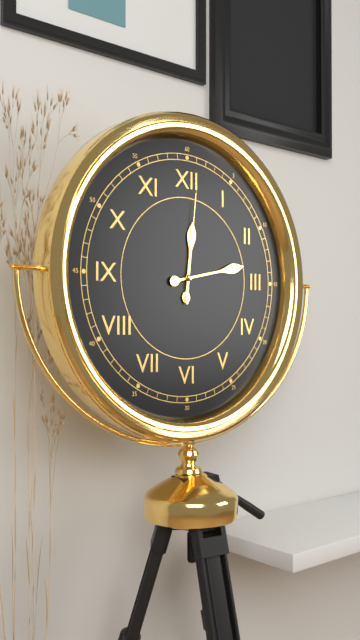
**12:13:01**
